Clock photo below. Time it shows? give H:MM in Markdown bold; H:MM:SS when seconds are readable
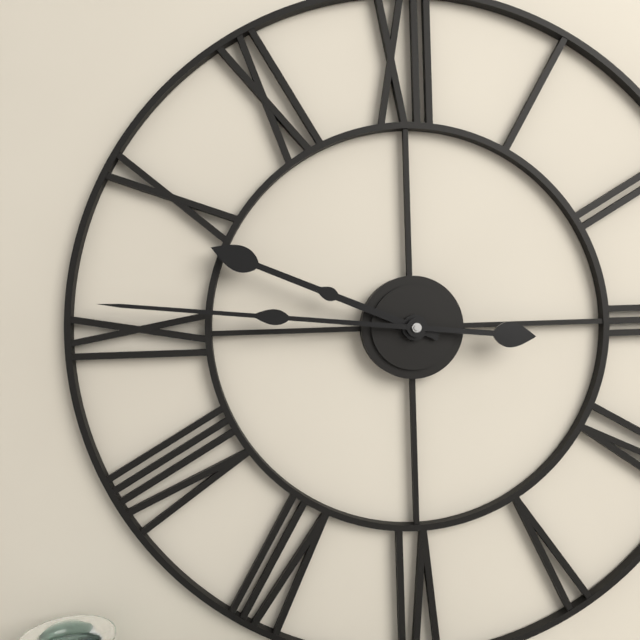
**9:46**
